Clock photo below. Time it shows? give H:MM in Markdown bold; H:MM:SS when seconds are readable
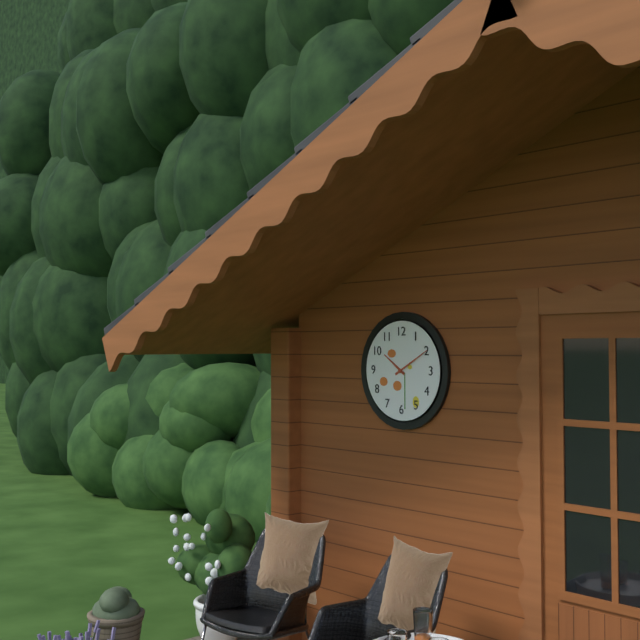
**10:10**
